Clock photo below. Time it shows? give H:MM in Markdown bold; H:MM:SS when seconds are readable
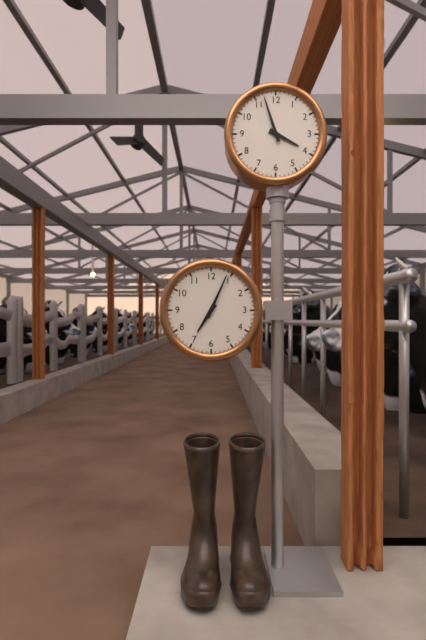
**3:57**
